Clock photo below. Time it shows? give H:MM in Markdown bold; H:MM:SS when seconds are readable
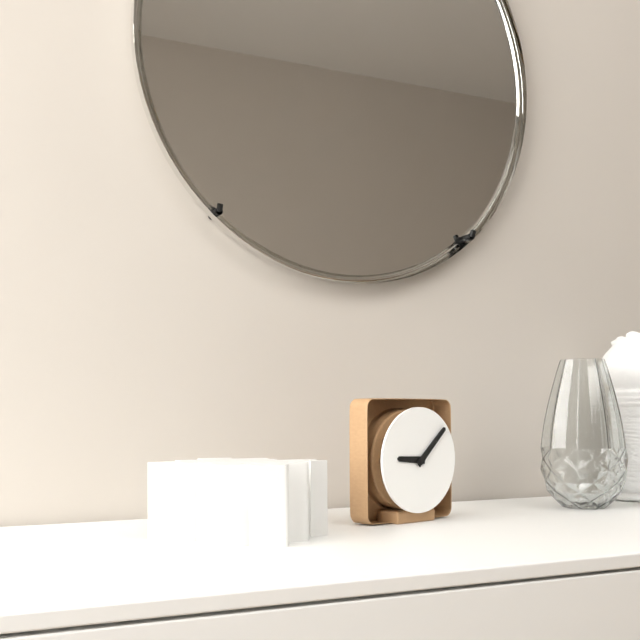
**9:08**
